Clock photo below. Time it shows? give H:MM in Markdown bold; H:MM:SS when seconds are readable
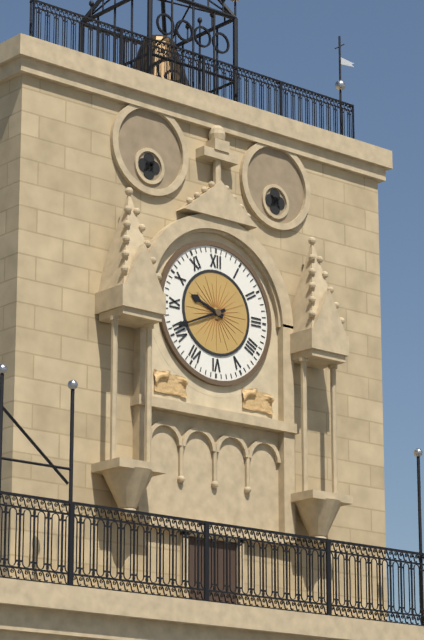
**9:41**
